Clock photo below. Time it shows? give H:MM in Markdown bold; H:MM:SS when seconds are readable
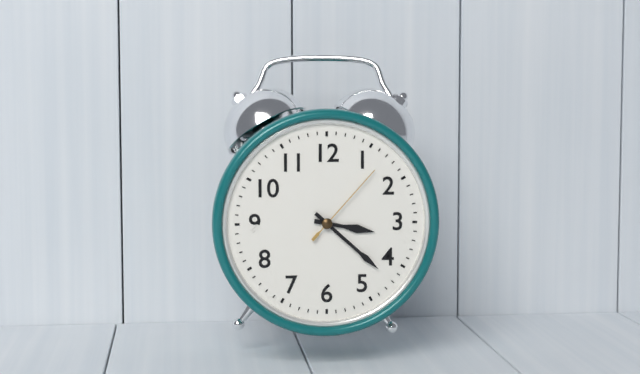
**3:22:07**
